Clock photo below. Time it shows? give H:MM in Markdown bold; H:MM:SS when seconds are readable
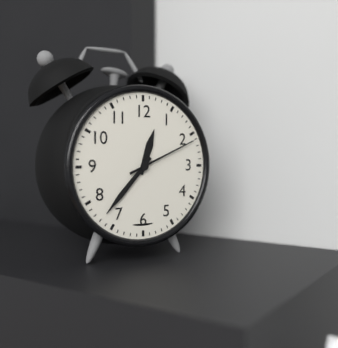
**12:37:11**
